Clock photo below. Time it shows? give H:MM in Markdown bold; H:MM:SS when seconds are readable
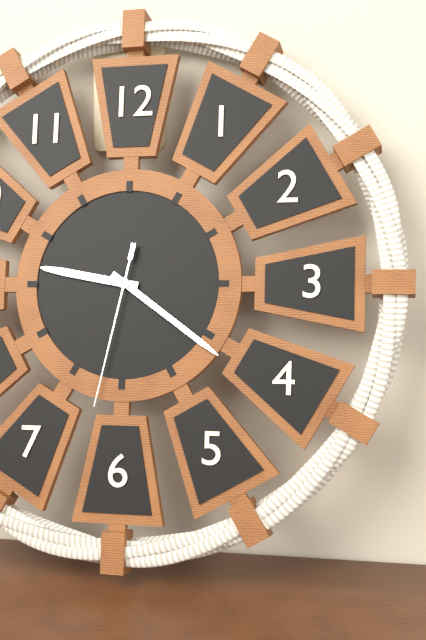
**9:21:32**
